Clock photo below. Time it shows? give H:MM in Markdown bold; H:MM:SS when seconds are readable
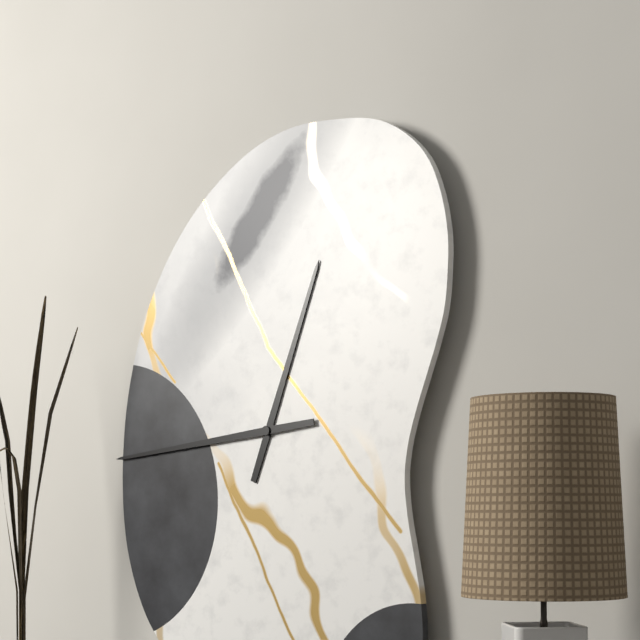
**12:44**
